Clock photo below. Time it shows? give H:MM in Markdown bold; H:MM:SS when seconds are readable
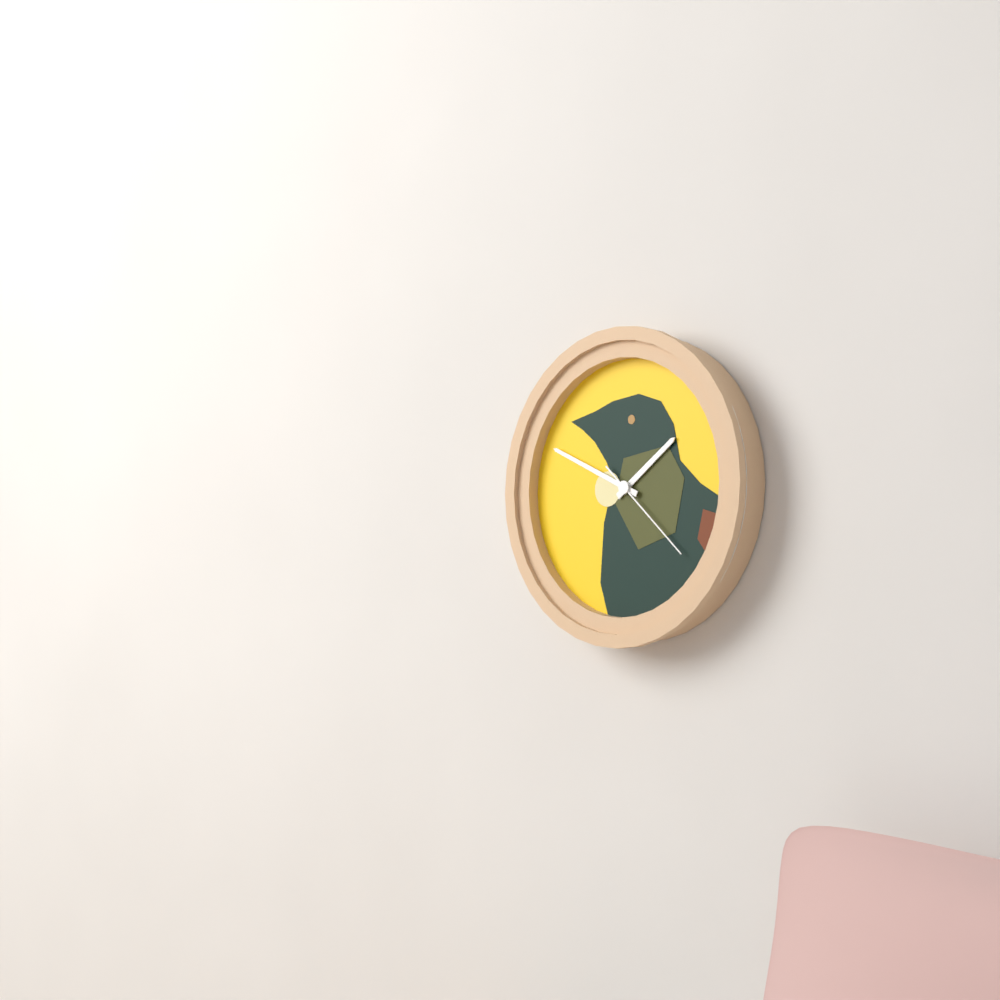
**1:49:22**
